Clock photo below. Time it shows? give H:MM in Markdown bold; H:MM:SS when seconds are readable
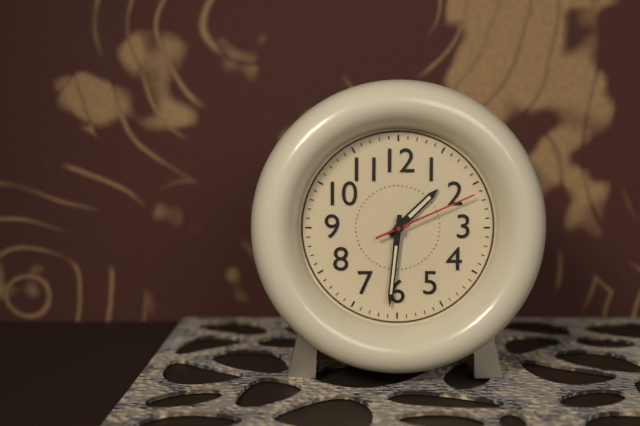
**1:31:11**
